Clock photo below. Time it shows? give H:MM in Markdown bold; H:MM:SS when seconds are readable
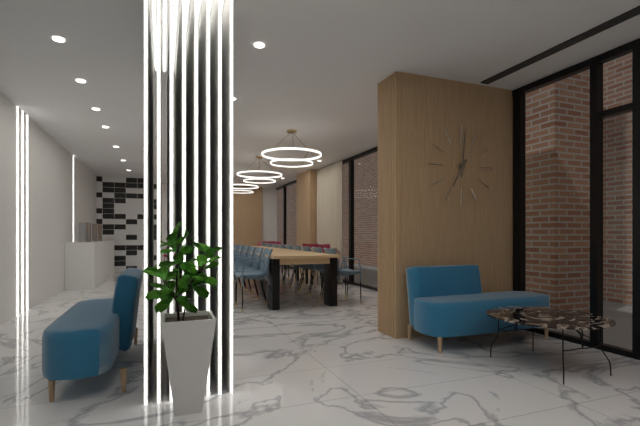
**7:01**
